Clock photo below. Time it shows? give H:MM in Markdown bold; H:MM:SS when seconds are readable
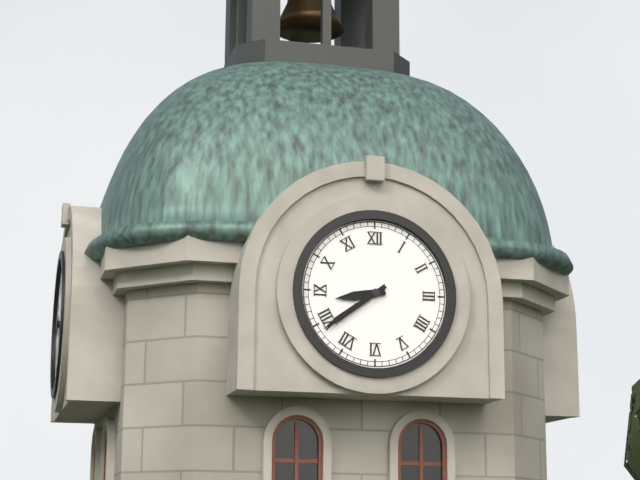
**8:39**
